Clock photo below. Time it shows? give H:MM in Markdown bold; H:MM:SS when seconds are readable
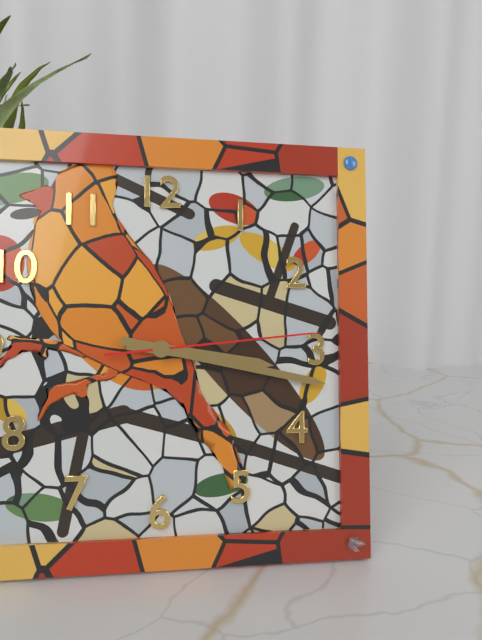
**3:17:14**
